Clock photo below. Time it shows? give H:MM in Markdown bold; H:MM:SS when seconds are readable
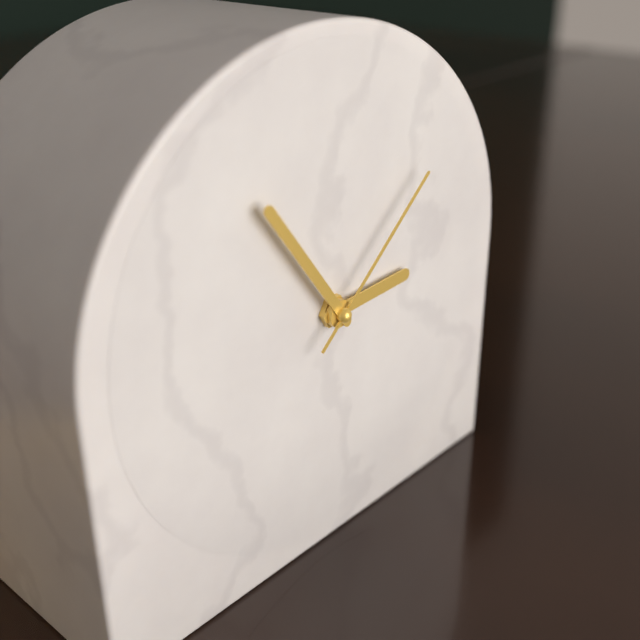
**2:54:08**
